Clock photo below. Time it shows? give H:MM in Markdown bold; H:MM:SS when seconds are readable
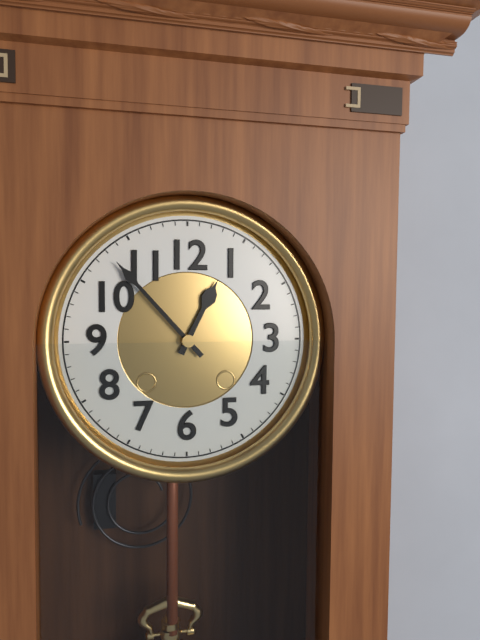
**12:53**
